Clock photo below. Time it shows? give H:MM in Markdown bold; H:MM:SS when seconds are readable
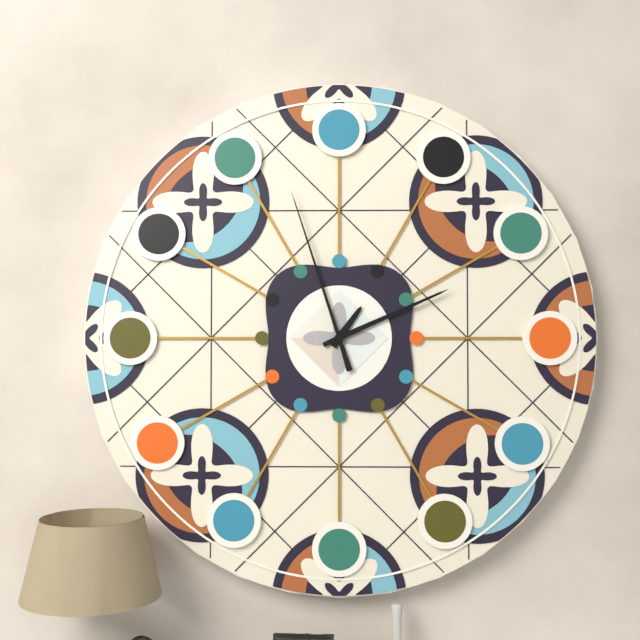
**1:11:57**
